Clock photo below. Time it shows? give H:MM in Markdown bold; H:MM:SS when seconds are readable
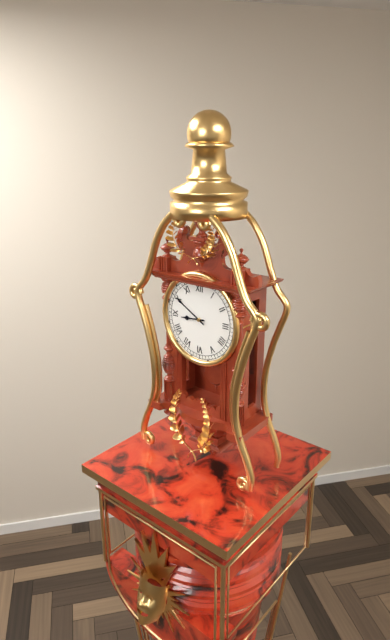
**8:50**
